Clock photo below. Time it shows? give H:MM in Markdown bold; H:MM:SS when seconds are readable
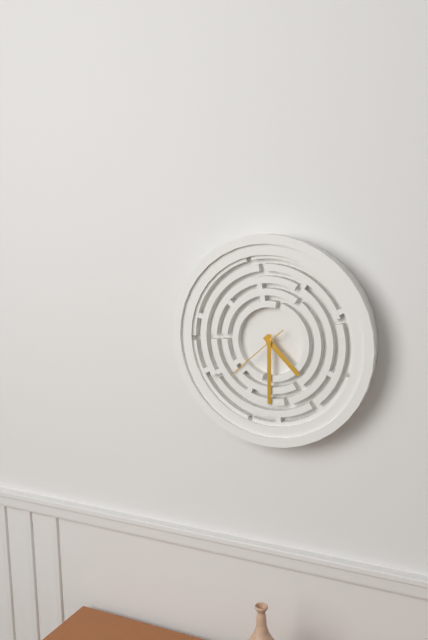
**4:30:38**
